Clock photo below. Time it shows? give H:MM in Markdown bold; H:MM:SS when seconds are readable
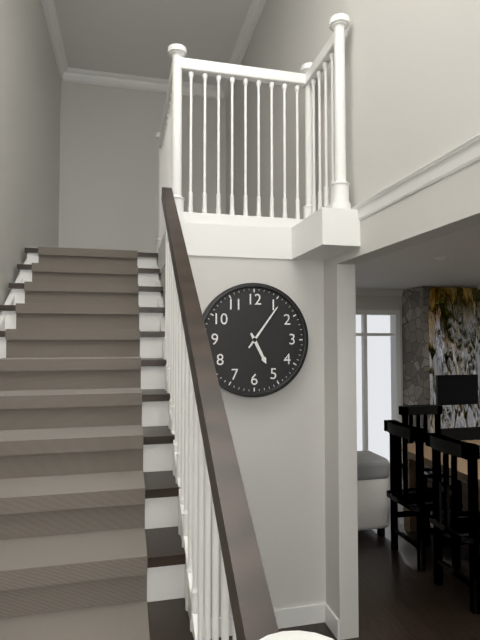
**5:06**
